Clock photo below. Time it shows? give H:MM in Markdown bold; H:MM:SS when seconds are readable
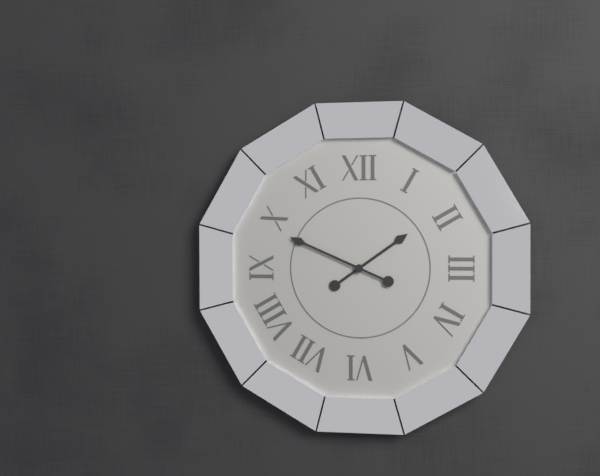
**1:49**
